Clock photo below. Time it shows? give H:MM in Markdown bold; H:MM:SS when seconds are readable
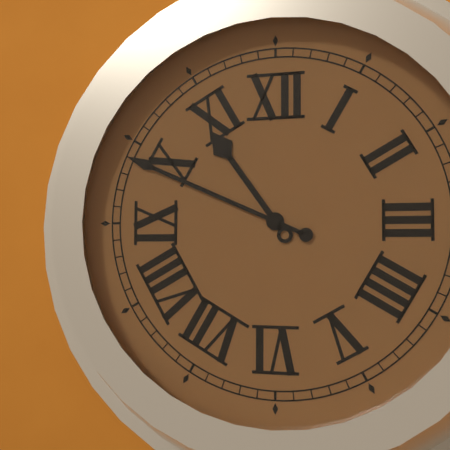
**10:49**
